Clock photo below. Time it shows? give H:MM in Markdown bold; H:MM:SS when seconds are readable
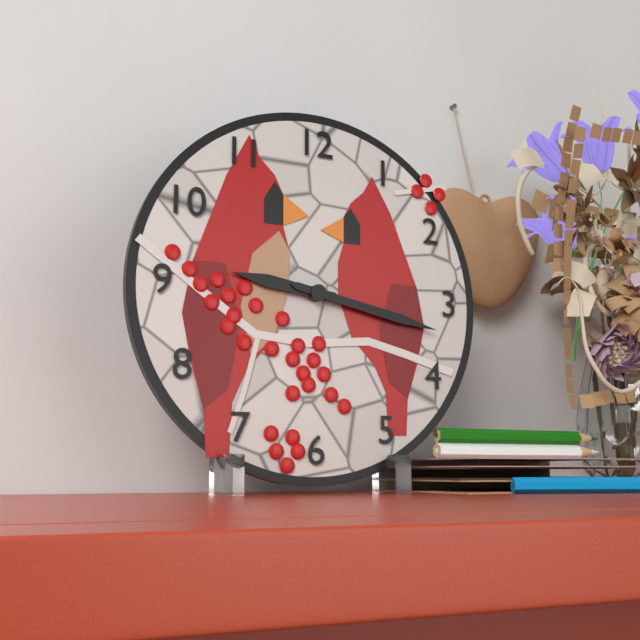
**9:17**
